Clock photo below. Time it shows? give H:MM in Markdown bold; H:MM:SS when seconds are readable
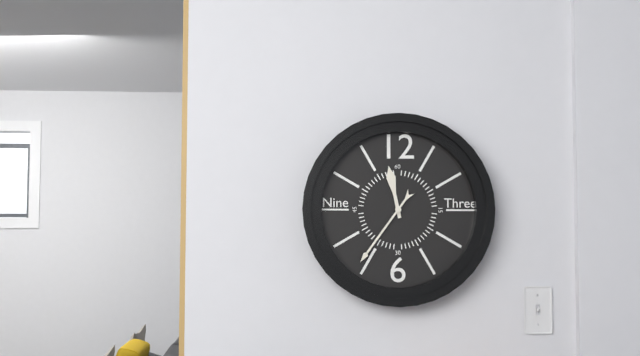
**11:36**
